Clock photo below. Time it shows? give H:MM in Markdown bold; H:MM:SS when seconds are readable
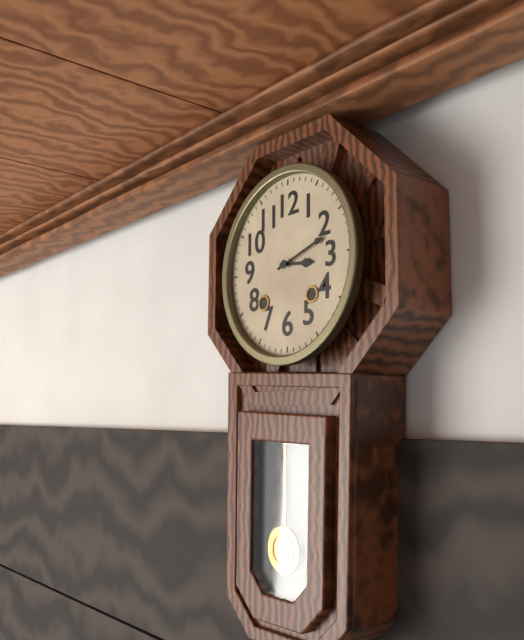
**3:12**
